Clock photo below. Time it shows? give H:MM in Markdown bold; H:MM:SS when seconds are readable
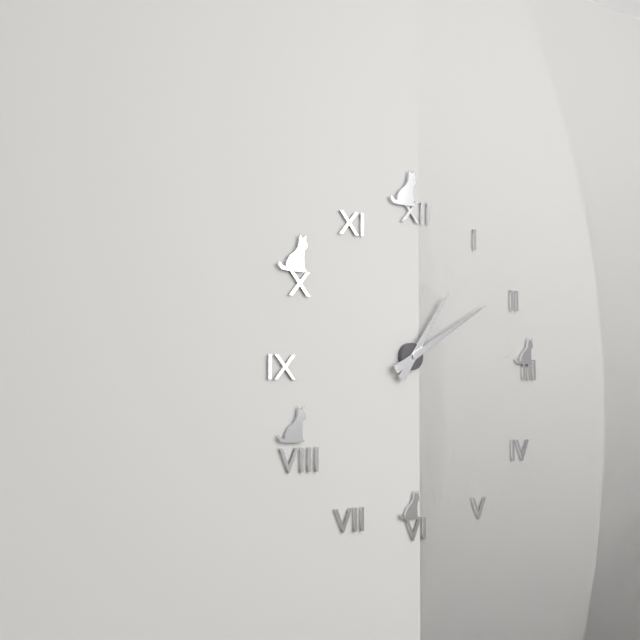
**1:10**
